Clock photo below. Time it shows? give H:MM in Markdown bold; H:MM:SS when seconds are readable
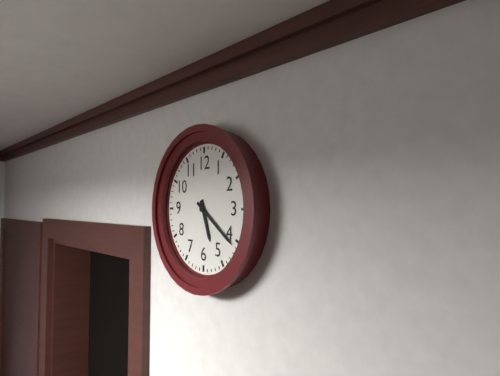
**5:21**
